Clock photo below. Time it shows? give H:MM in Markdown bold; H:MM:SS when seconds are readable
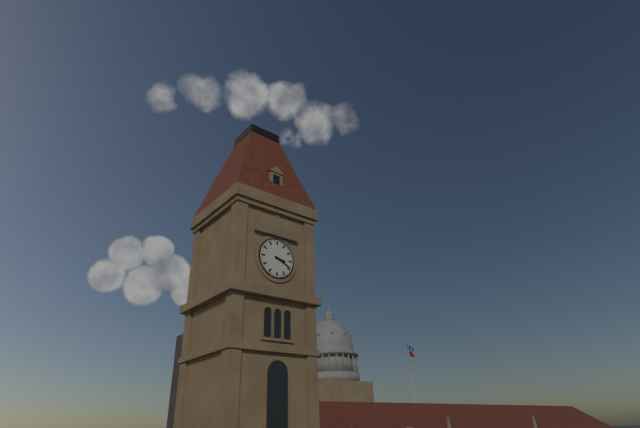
**3:19**
